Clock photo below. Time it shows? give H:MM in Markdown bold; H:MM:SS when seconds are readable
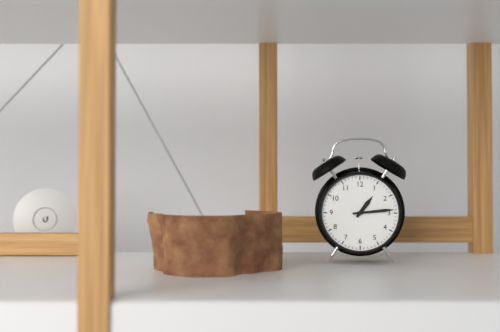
**1:14**
